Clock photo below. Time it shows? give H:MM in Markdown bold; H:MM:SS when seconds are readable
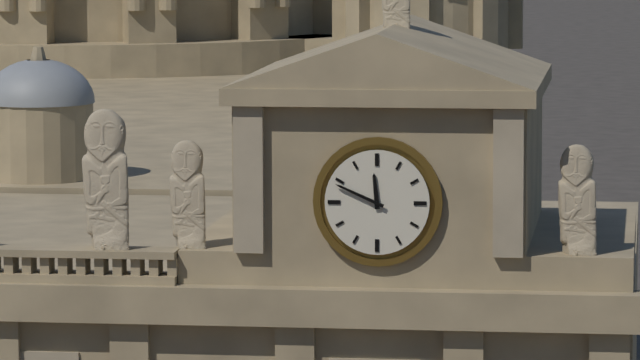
**11:49**
